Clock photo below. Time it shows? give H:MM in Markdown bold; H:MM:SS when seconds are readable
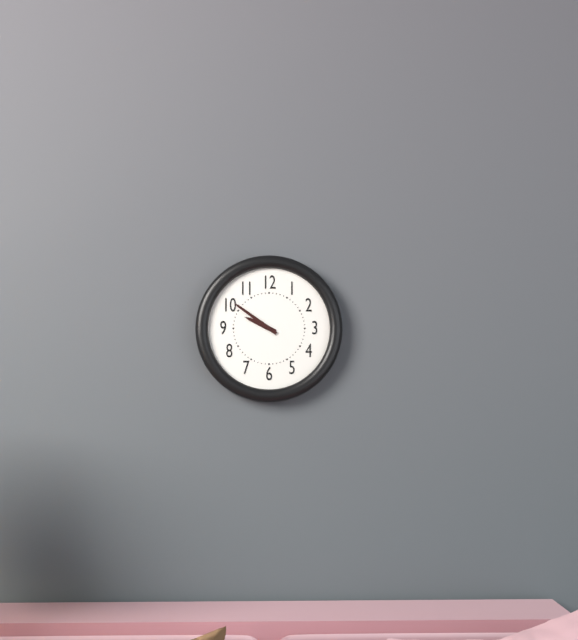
**9:51**
